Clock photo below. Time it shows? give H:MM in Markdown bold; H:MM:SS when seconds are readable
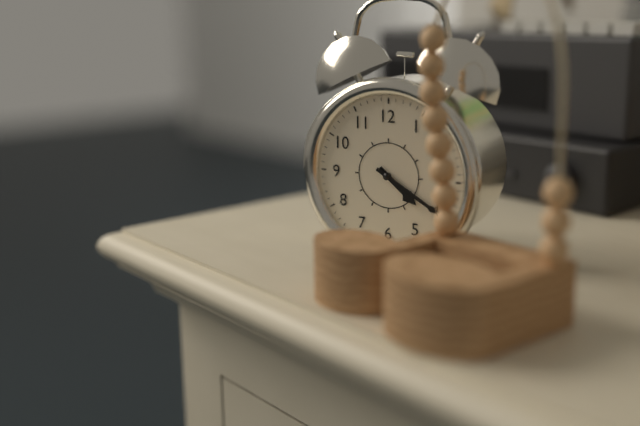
**4:20**
